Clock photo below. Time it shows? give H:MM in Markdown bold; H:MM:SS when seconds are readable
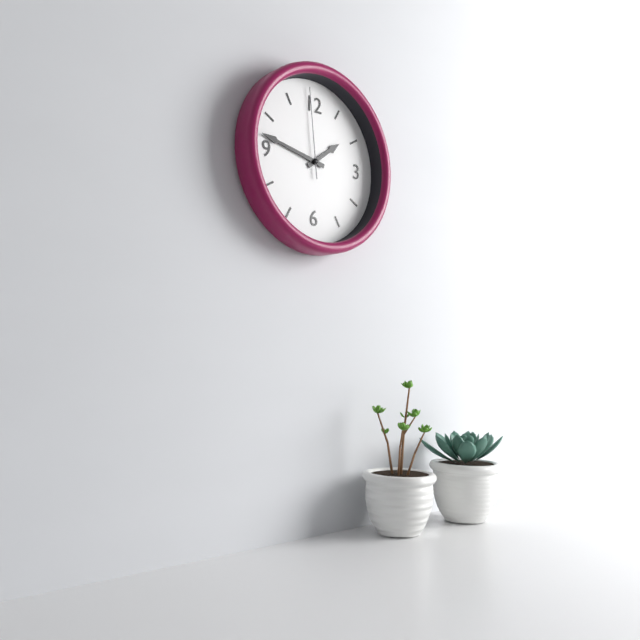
**1:47:59**
